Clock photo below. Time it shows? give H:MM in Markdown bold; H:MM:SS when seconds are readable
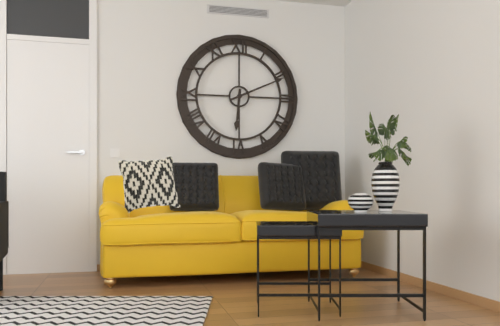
**6:11**
